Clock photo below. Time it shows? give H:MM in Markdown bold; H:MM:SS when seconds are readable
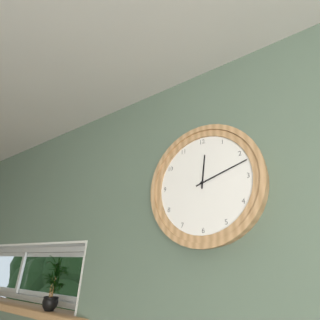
**12:12**
